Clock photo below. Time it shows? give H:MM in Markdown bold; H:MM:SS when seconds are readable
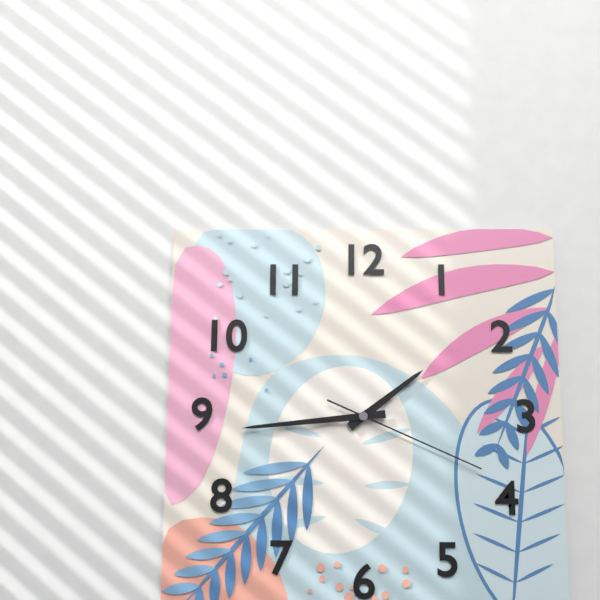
**1:44:19**
